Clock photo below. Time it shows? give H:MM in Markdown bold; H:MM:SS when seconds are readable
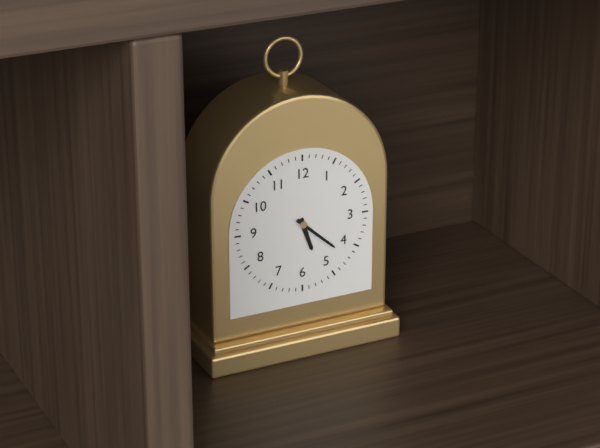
**5:22**
